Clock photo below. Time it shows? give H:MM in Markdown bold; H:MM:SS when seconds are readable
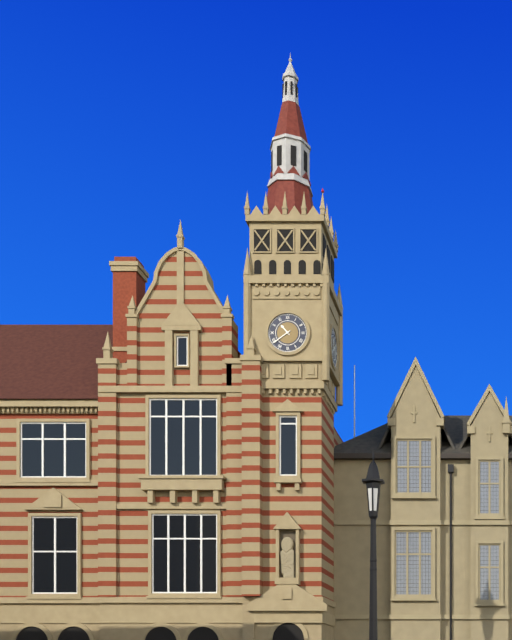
**10:39**
